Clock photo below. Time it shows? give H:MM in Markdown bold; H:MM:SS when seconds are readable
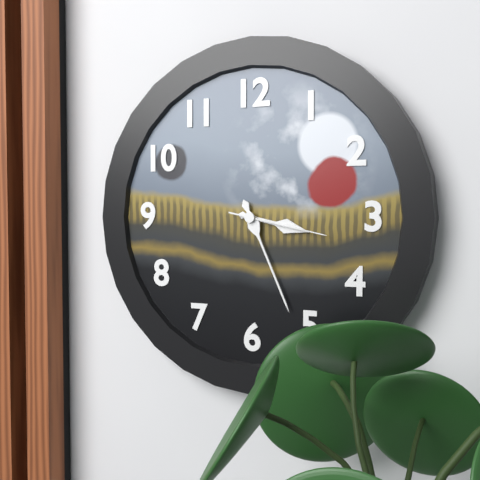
**3:26:17**
